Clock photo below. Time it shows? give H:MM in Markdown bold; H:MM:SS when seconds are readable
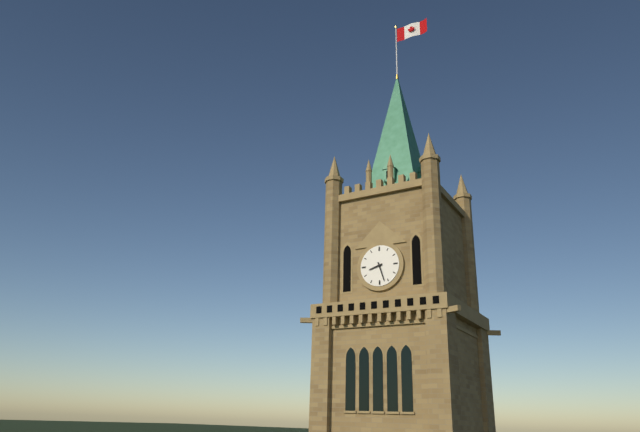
**8:27**
